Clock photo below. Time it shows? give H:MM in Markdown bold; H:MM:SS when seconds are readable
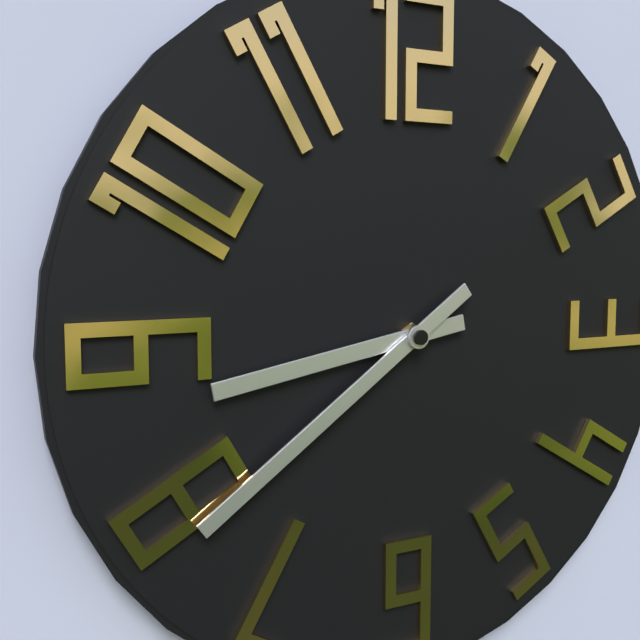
**8:39**
